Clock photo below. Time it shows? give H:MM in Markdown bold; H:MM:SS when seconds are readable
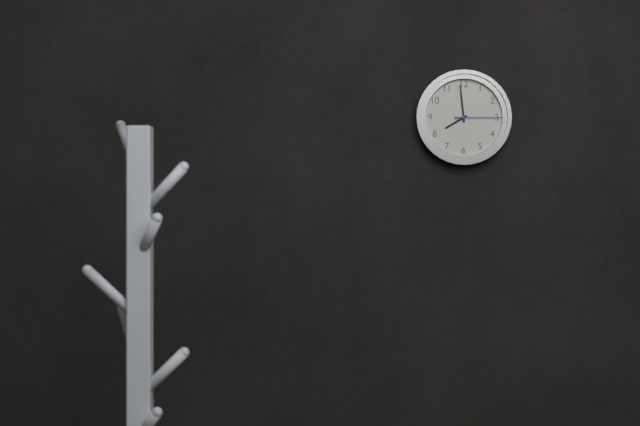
**7:59**
